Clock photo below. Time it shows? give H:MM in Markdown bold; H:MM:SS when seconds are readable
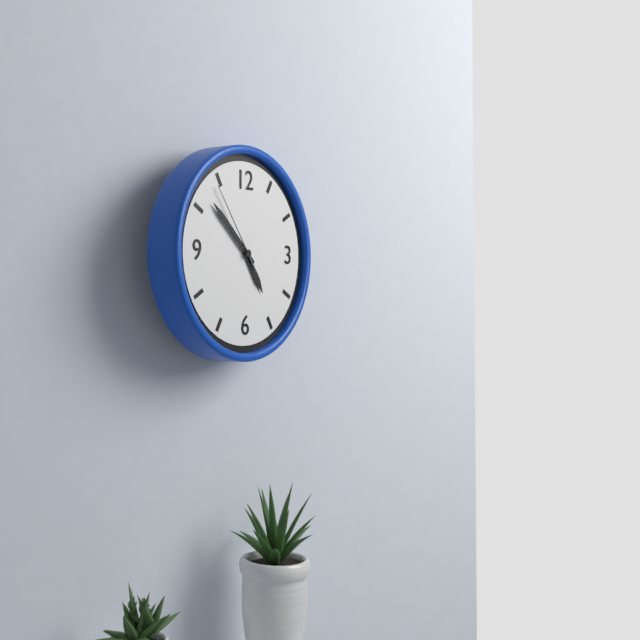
**4:52:54**
